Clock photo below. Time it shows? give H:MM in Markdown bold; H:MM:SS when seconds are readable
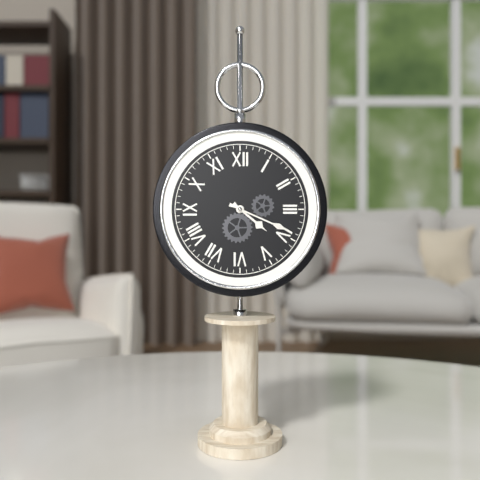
**4:19**
